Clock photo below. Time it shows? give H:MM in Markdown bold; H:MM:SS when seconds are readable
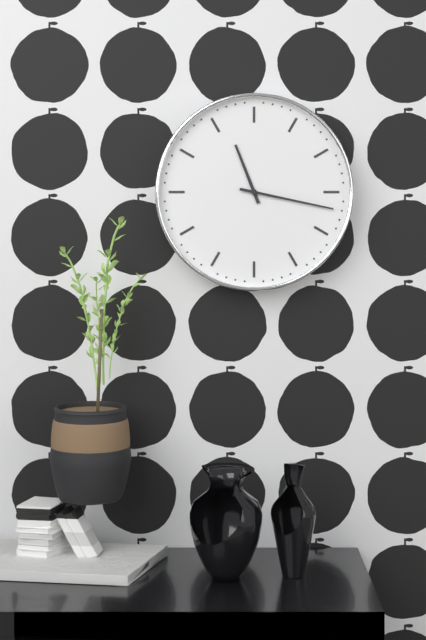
**11:17**
